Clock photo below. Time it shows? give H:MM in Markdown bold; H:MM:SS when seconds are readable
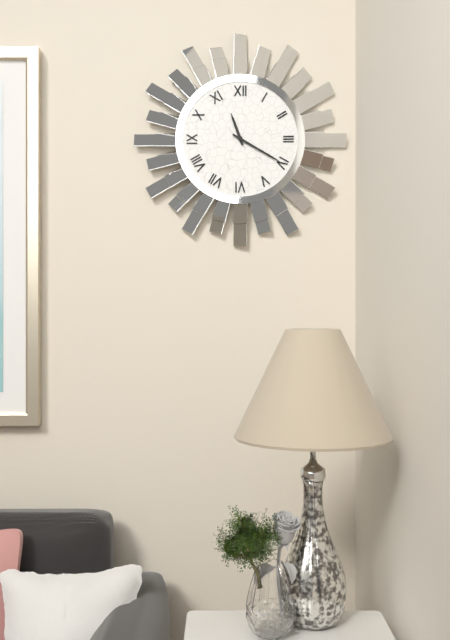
**11:20**
